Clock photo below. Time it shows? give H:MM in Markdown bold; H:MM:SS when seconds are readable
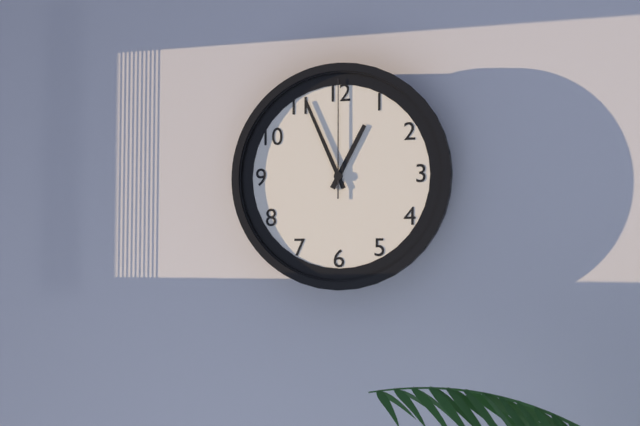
**12:56:00**
